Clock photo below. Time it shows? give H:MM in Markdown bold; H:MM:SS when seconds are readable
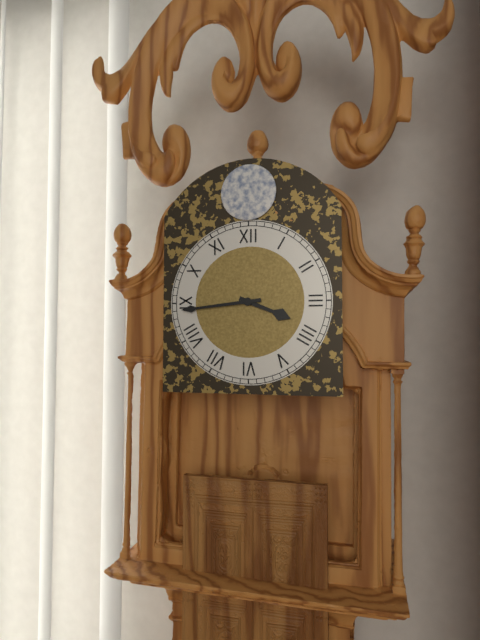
**3:44**
